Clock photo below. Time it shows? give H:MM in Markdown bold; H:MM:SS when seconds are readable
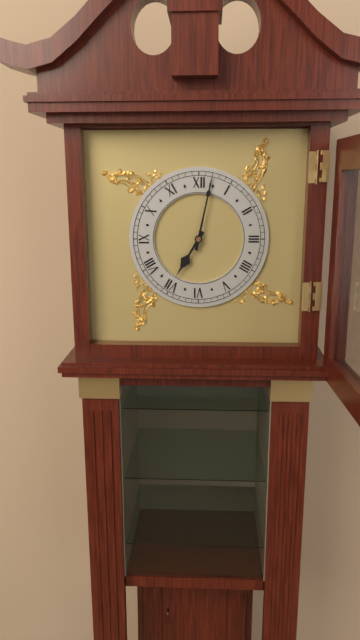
**7:02**
